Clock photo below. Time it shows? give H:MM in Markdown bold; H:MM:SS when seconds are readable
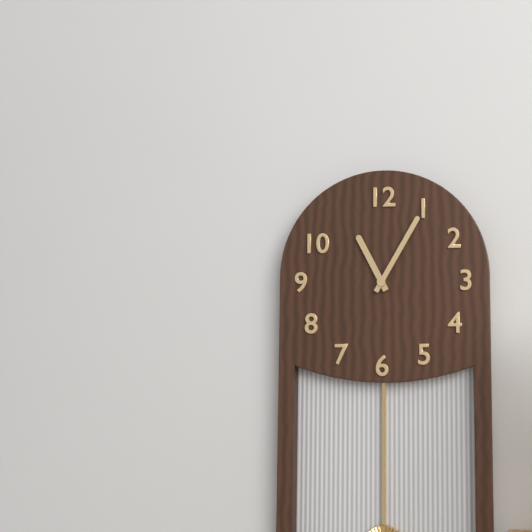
**11:05**
